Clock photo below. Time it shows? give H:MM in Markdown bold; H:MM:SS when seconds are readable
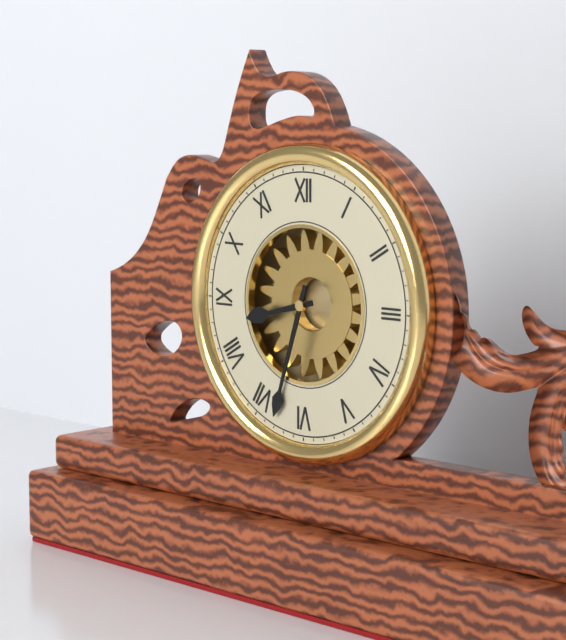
**8:33**
